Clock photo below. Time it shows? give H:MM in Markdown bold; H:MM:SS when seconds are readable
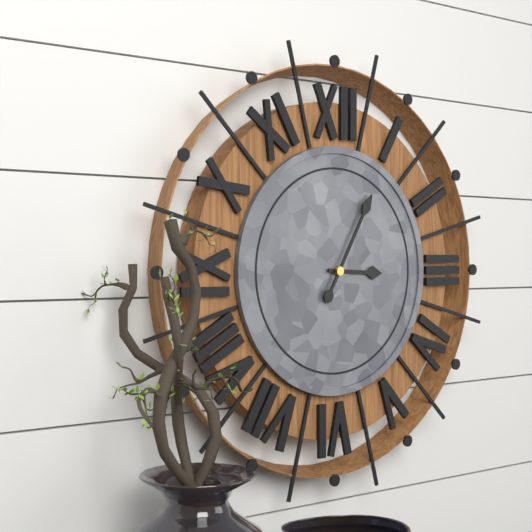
**3:05**
